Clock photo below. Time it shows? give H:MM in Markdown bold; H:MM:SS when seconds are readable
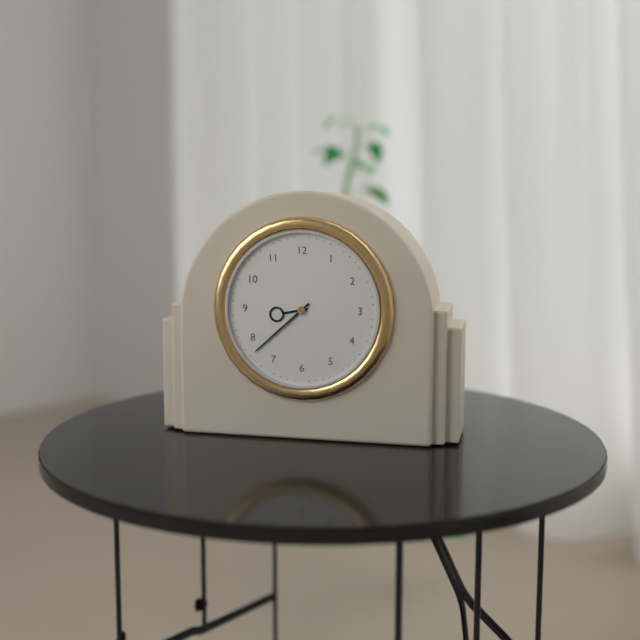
**8:38**
